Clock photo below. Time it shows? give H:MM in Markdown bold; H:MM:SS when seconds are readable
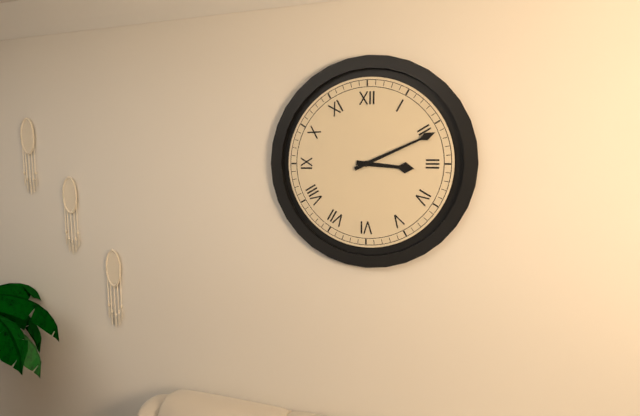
**3:11**
